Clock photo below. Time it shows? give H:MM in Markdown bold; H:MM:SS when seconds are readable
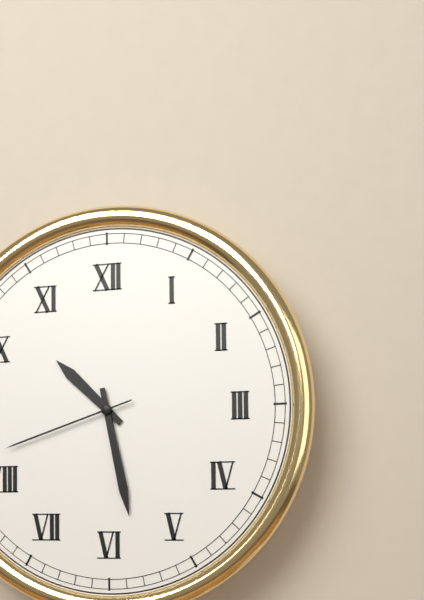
**10:28:42**
